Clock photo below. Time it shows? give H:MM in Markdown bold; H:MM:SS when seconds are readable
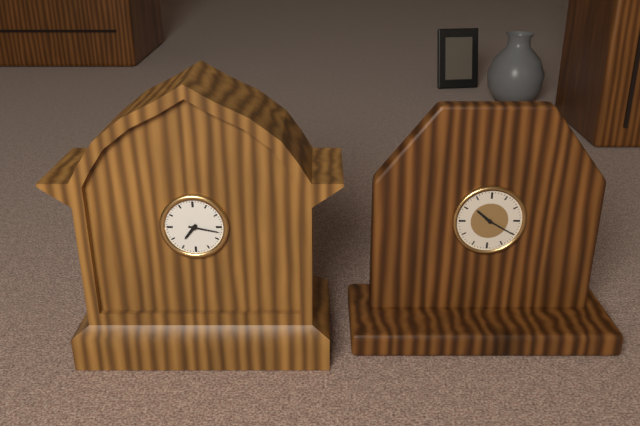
**7:17**
